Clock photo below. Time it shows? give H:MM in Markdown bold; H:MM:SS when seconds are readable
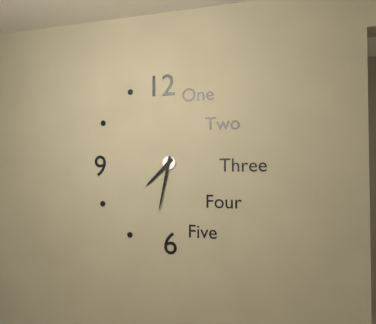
**7:32**
